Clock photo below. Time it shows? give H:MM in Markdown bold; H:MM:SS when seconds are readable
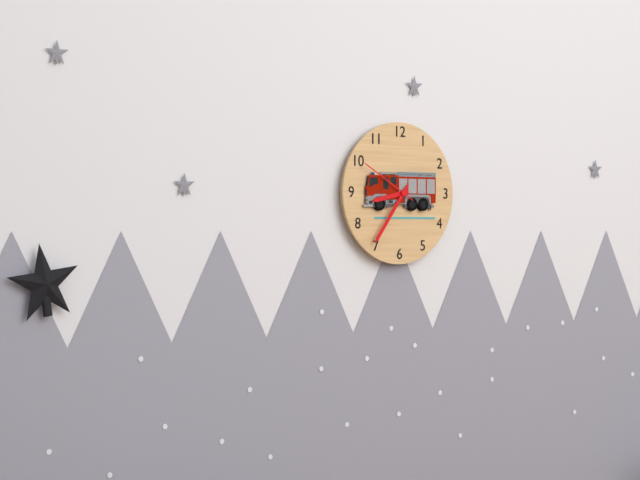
**8:36:50**
